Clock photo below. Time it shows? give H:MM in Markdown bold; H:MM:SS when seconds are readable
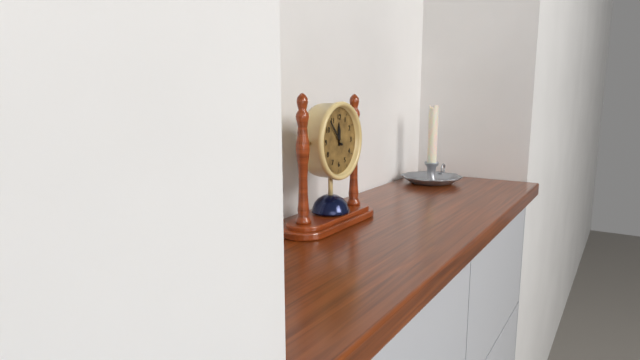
**11:53**
